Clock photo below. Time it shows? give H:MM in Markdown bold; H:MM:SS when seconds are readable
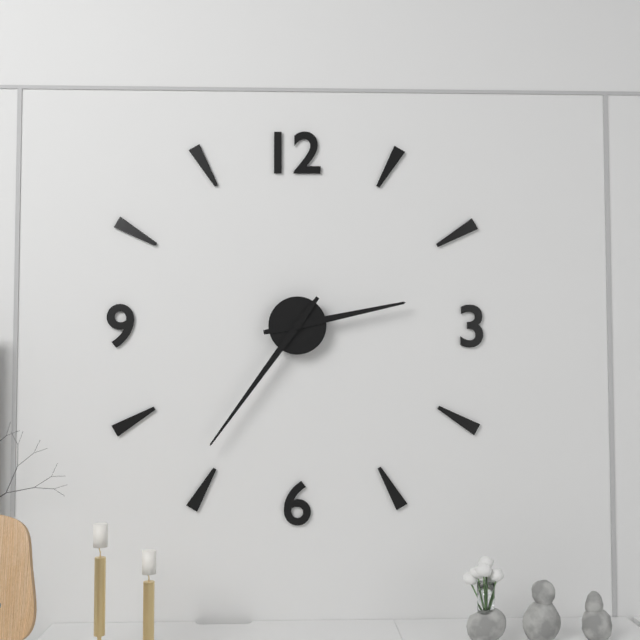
**2:36**
